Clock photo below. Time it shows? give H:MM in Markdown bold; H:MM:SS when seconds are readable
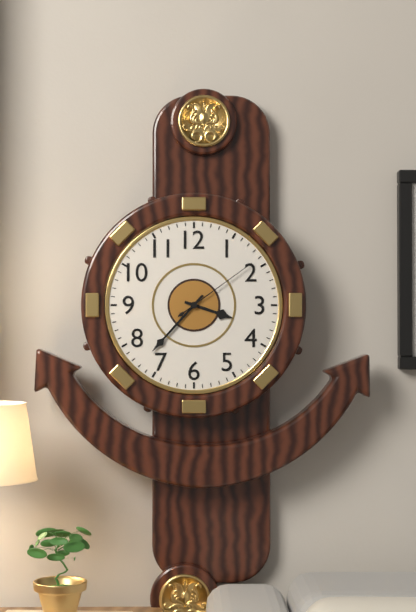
**3:37:09**
